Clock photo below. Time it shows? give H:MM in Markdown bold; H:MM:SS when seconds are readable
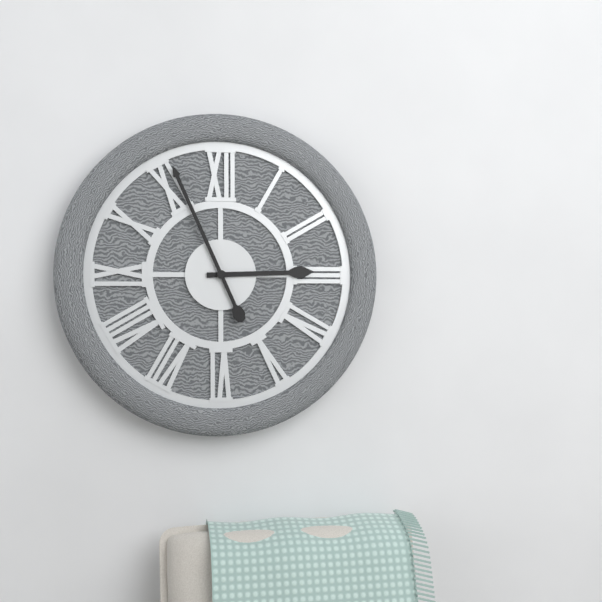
**2:56**
